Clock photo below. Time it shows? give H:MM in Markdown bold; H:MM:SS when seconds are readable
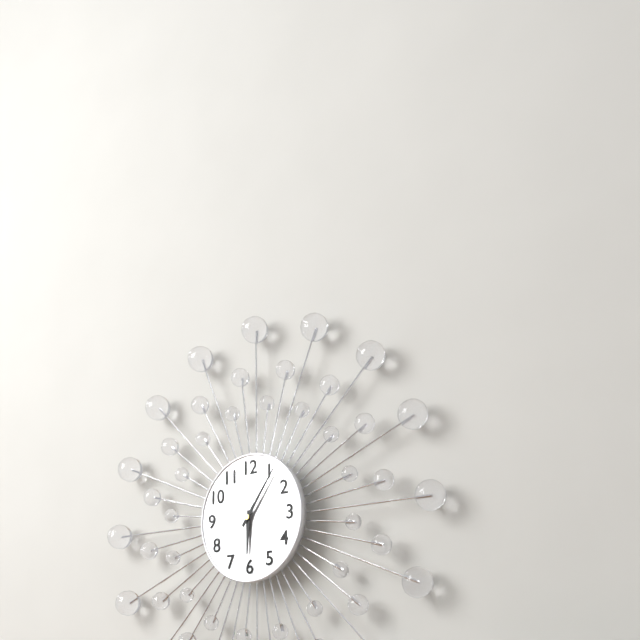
**6:06**
